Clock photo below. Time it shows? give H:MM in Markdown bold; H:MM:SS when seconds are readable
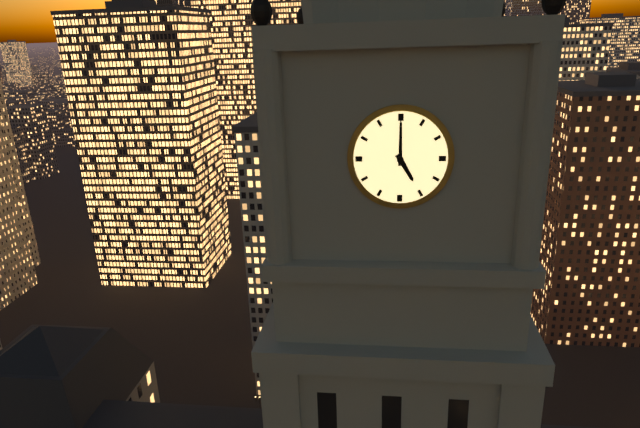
**5:00**
